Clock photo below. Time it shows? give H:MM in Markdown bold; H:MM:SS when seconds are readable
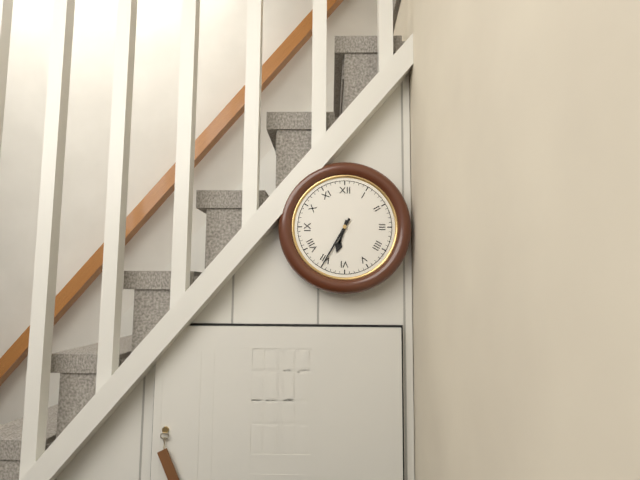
**6:35**
